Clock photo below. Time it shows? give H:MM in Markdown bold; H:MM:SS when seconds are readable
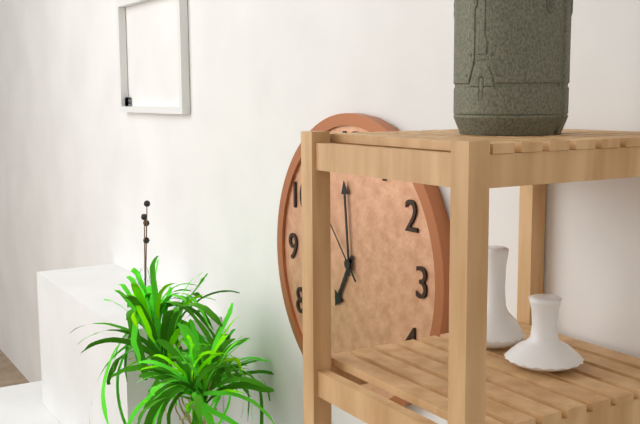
**6:59**
